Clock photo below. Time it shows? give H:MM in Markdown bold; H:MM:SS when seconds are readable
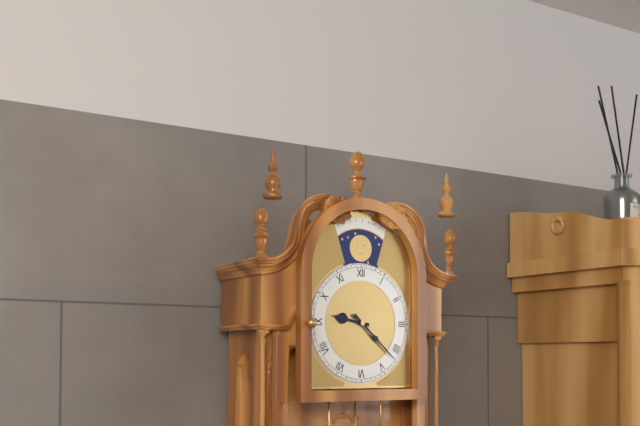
**9:22**
